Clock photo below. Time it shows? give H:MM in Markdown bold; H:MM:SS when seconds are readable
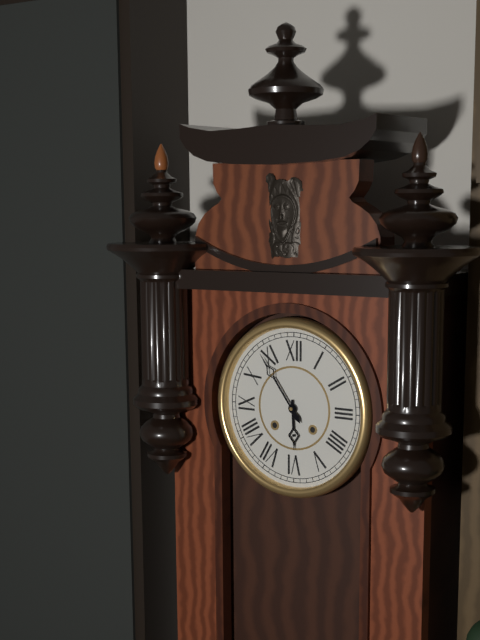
**5:54**
